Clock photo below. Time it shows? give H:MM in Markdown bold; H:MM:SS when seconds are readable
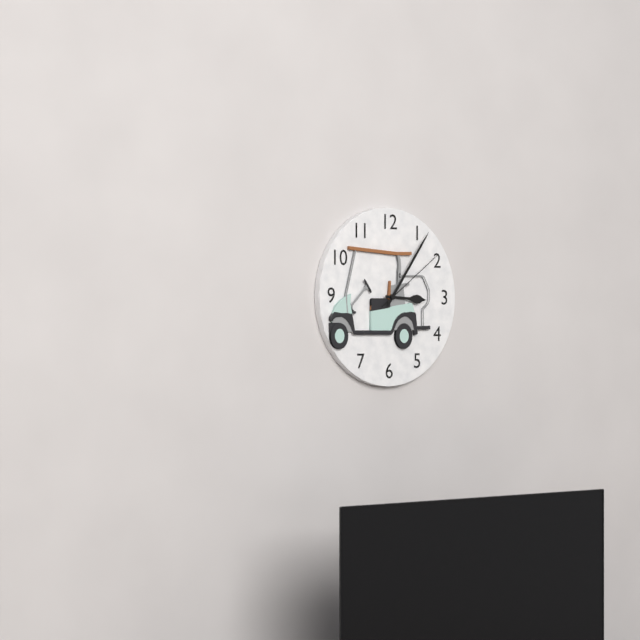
**3:06:09**
